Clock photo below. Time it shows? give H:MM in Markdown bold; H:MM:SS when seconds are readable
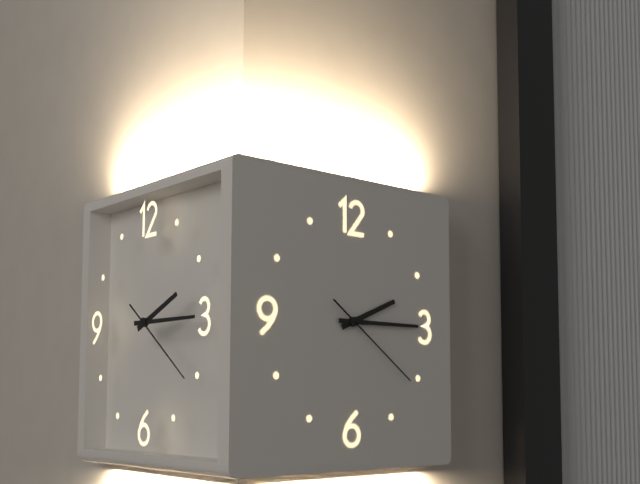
**2:15:21**
